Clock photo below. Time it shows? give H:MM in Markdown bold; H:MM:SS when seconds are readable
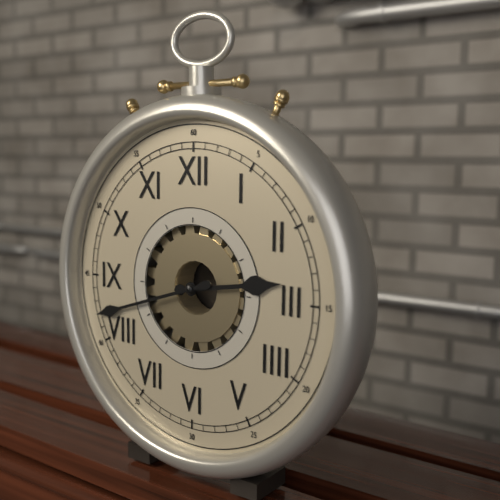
**2:42**
